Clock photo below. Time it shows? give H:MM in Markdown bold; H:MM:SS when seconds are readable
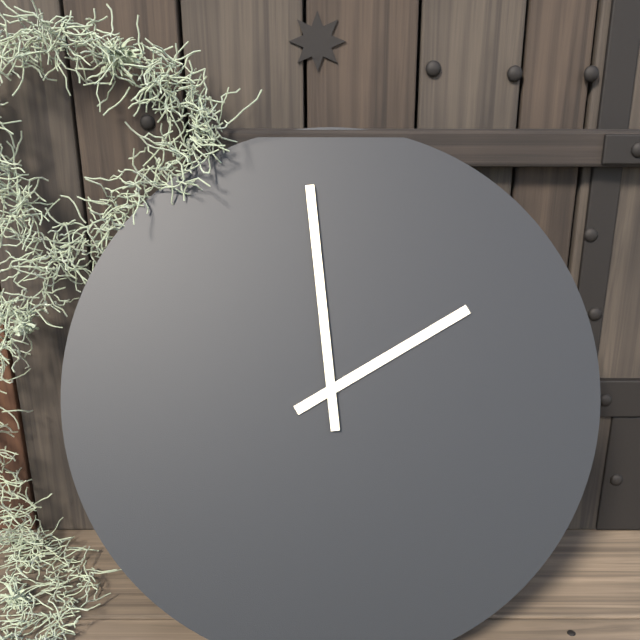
**1:59**
